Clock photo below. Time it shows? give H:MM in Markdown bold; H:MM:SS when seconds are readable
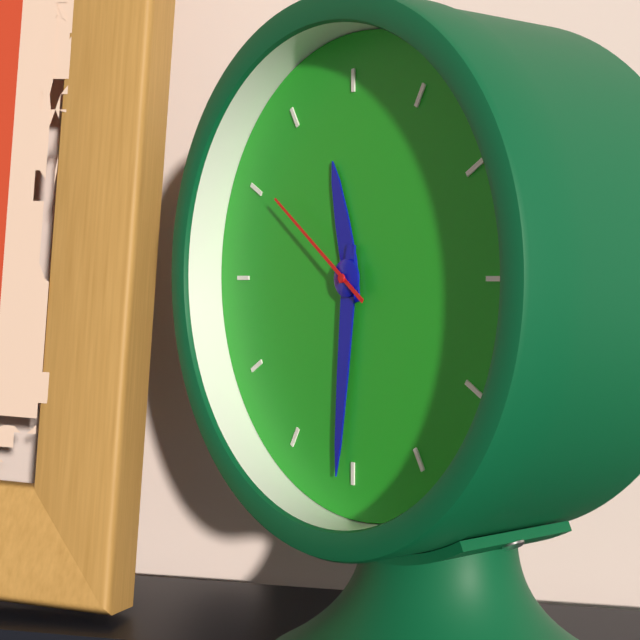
**11:31:51**
